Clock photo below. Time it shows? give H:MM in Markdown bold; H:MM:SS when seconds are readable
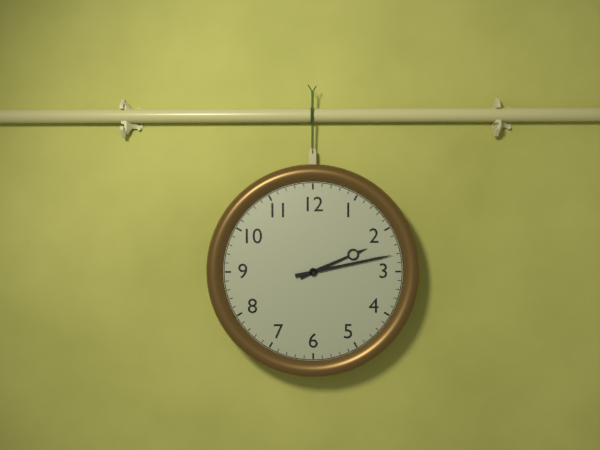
**2:13**
